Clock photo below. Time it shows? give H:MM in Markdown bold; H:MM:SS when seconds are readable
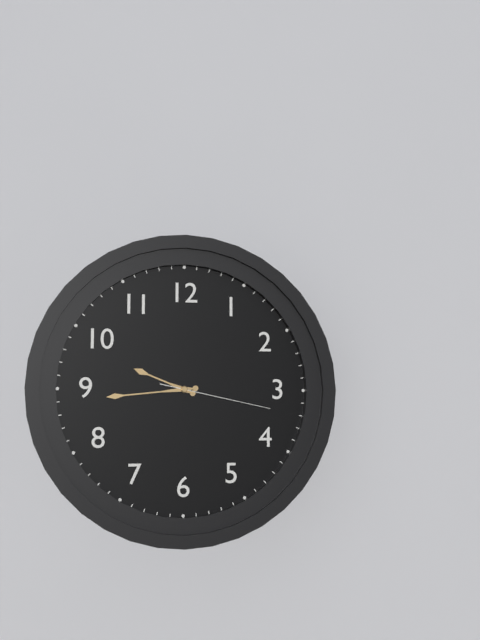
**9:44:17**
